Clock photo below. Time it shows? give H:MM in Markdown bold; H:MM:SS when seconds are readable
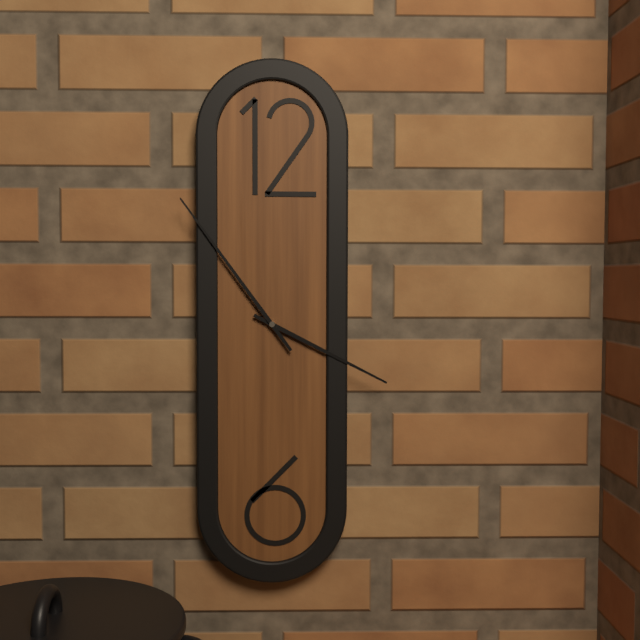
**3:54**
